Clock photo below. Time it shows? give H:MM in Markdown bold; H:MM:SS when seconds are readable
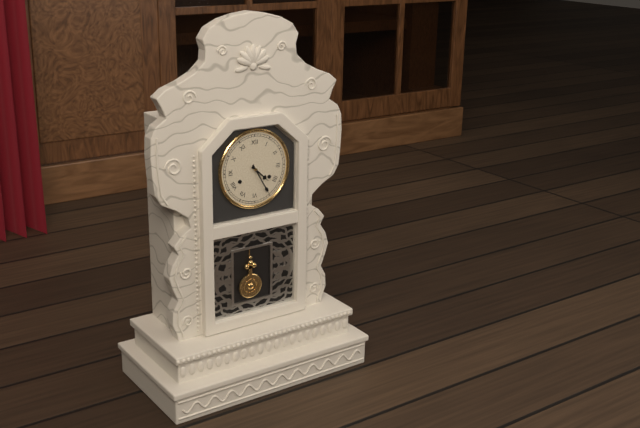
**4:25**
